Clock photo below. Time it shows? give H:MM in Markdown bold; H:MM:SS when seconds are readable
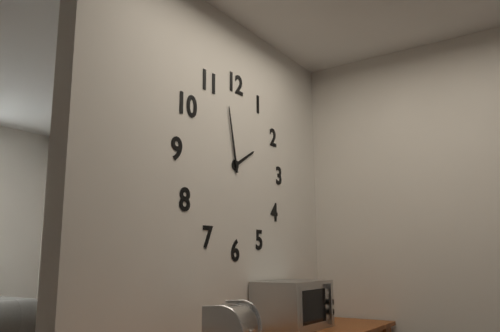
**1:58**
